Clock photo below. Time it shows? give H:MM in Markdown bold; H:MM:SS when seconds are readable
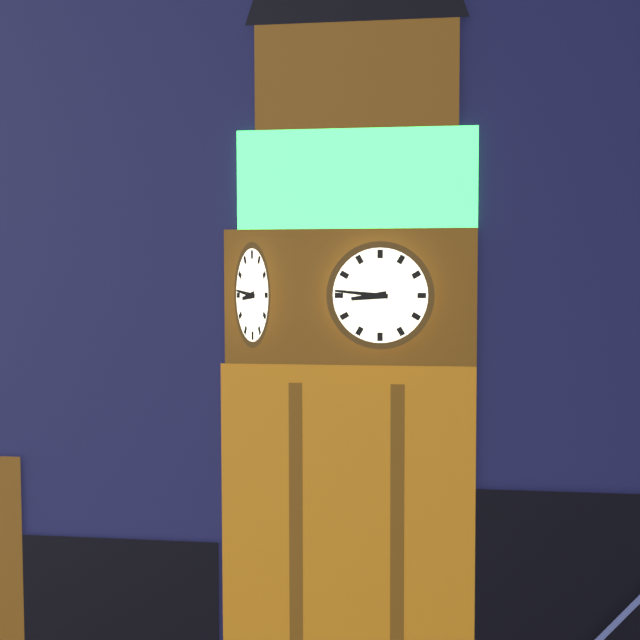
**8:46**
